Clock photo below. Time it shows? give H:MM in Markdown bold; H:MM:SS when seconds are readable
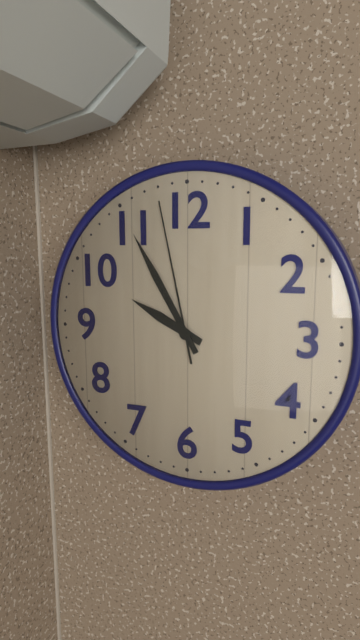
**9:55:58**
